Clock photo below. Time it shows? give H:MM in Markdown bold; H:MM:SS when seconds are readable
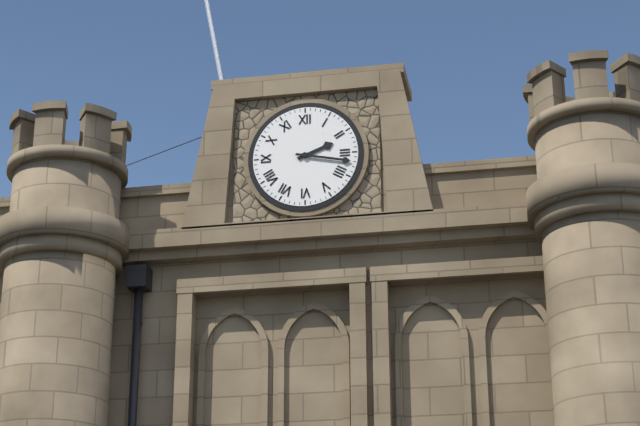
**2:17**
